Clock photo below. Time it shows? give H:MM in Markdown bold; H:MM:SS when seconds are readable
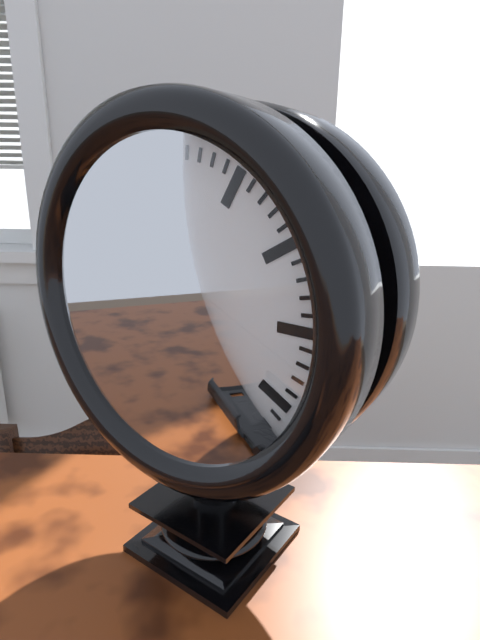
**6:47:58**
